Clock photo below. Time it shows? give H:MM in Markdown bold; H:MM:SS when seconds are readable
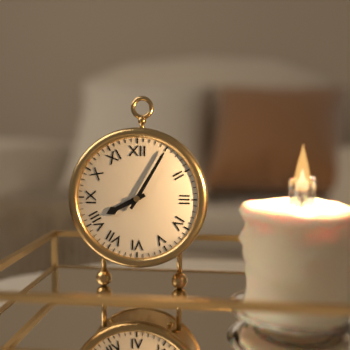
**8:05**
